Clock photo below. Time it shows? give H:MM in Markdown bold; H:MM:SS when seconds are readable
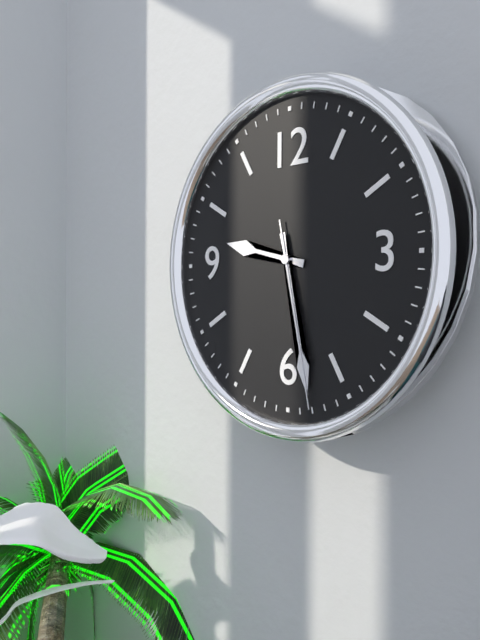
**9:28:28**
